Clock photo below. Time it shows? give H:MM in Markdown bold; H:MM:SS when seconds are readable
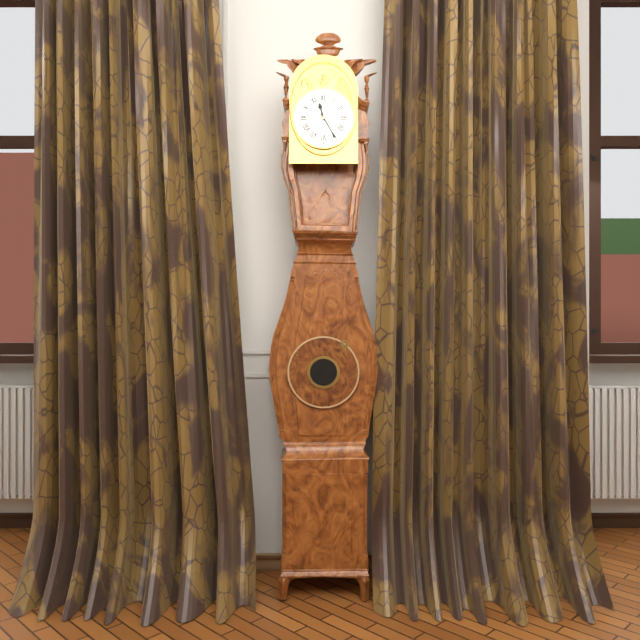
**11:25**
